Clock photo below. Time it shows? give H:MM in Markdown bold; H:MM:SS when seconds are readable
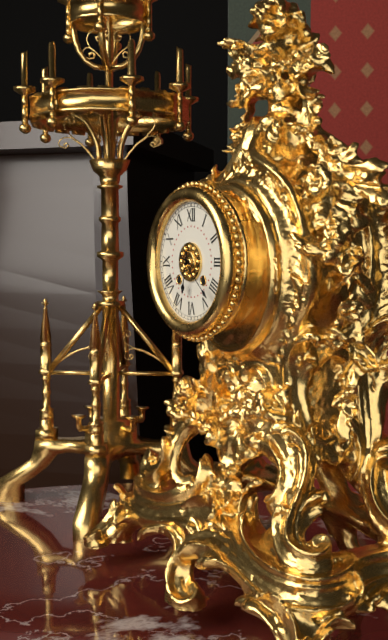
**6:22**
